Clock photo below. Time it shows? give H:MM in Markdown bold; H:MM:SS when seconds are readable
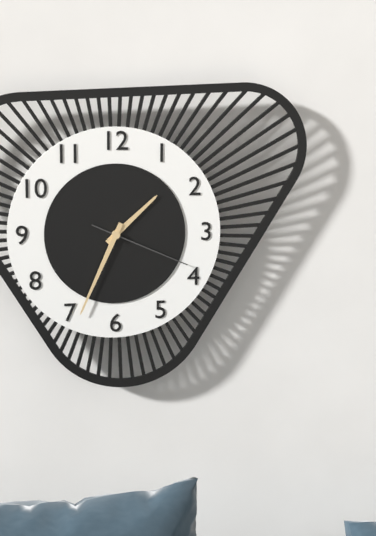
**1:34:19**
